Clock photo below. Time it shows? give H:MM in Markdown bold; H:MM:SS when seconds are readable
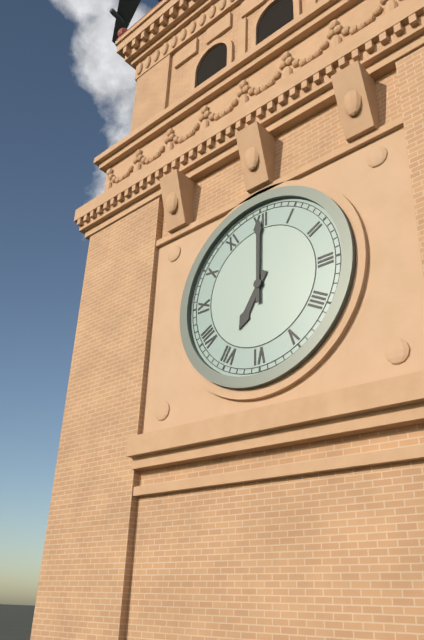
**7:00**
